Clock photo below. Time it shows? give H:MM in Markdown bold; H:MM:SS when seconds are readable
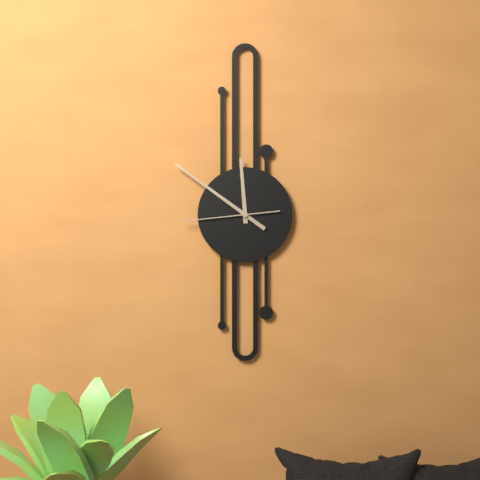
**11:51:44**
